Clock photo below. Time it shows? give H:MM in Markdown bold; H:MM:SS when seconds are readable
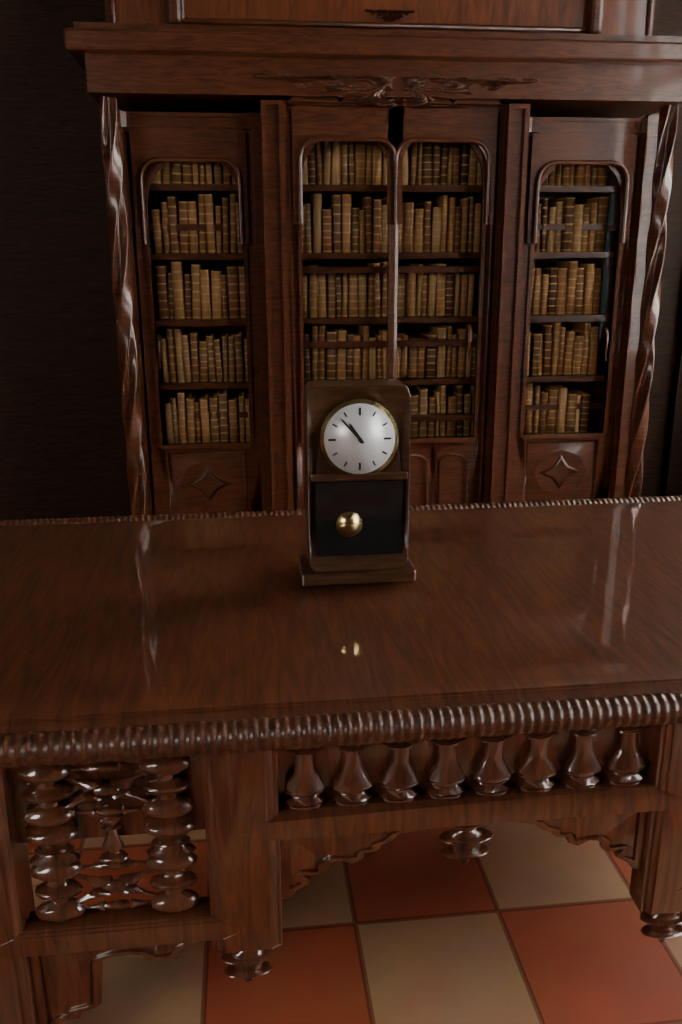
**10:53**
